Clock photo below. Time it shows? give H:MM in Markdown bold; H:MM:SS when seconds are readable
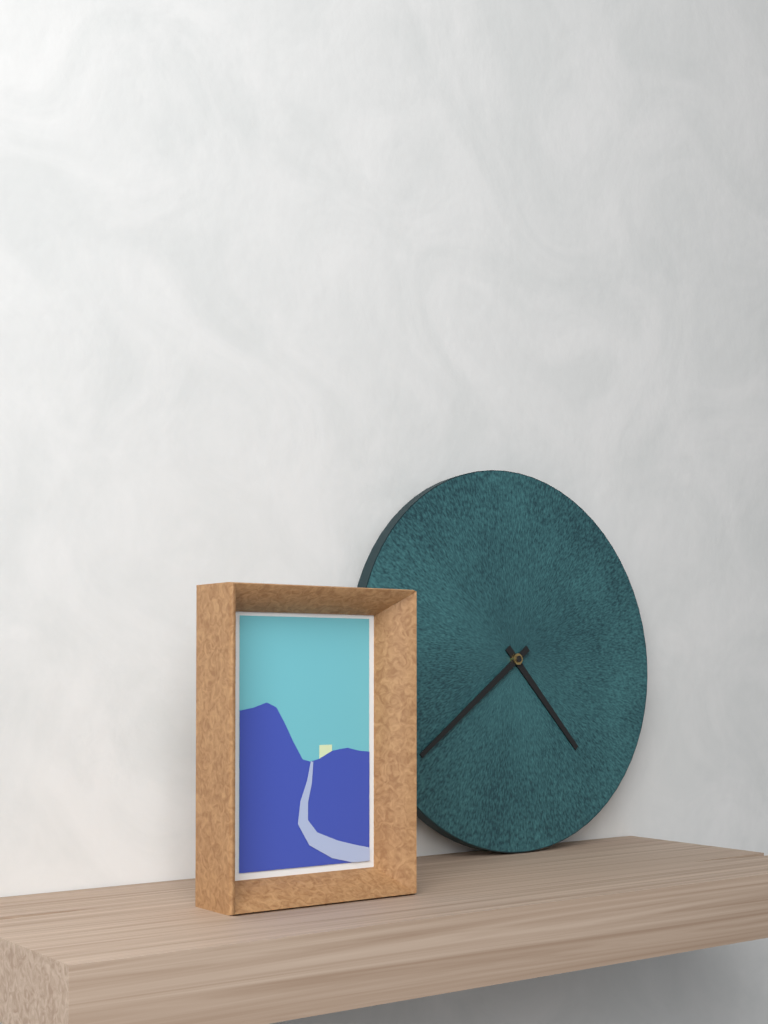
**4:39**
